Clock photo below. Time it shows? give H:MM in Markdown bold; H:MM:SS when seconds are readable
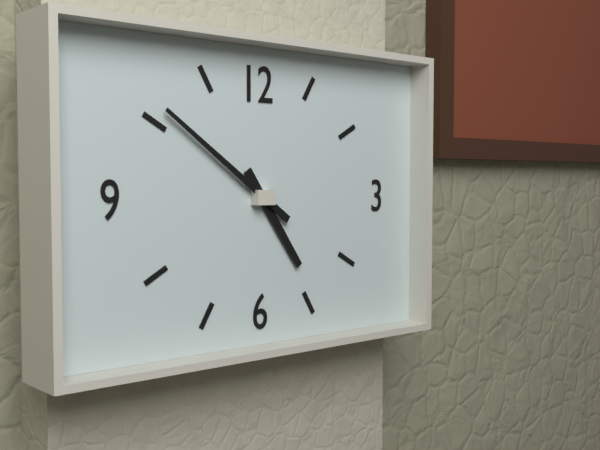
**4:51**
